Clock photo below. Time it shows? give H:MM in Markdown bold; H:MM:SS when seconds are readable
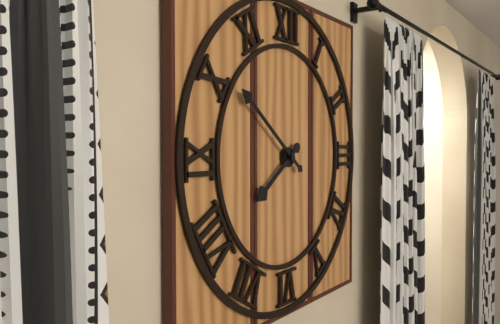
**7:51**
